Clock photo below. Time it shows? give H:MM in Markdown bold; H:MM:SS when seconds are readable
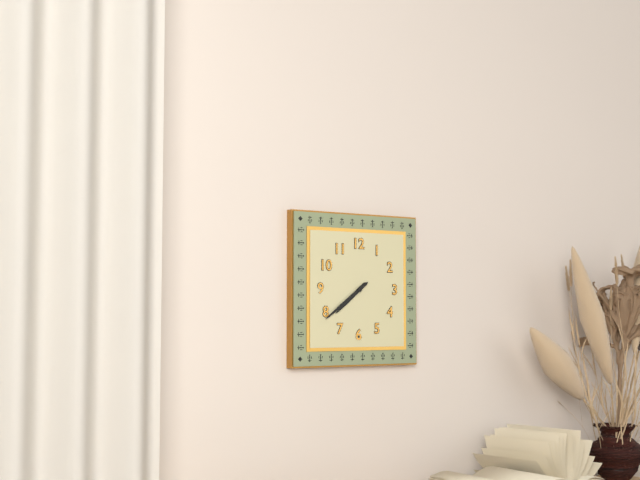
**7:39**
